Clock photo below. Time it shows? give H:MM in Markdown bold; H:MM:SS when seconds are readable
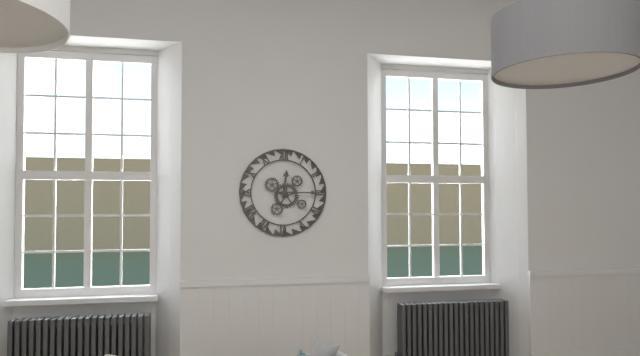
**12:15**
